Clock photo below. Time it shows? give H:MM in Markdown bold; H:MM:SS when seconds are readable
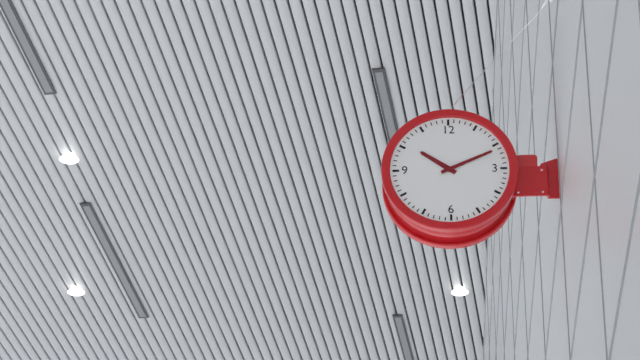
**10:11**
